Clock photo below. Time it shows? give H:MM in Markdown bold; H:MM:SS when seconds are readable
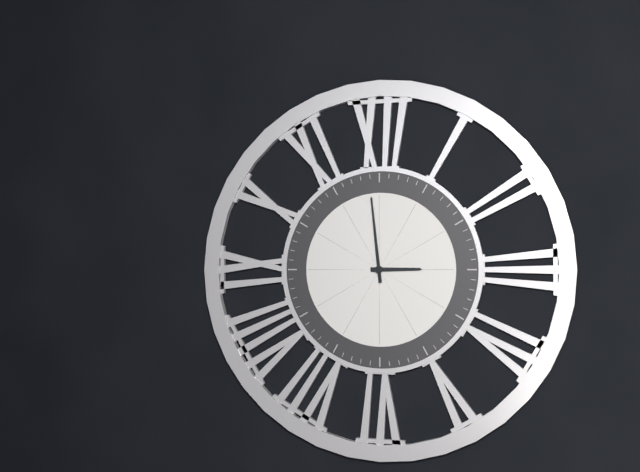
**2:59**
